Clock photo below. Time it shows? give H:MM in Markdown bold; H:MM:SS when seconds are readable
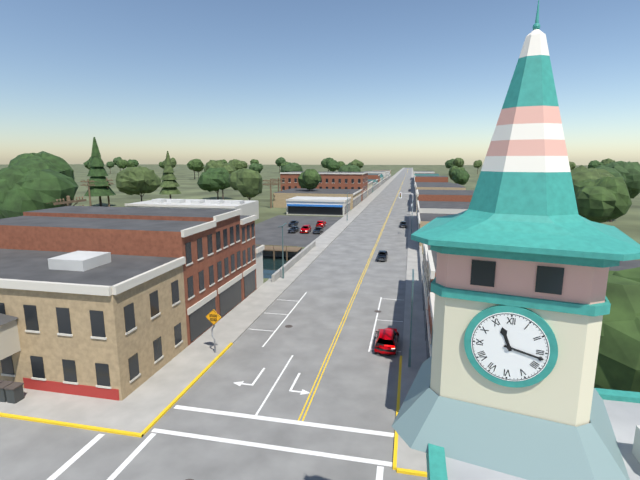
**11:17**
